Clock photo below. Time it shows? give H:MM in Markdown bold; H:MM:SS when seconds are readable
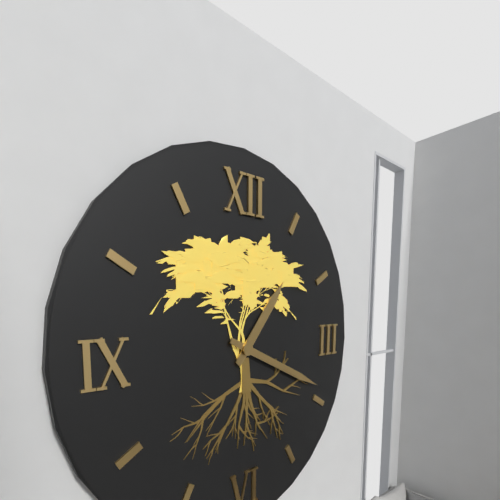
**1:19**
